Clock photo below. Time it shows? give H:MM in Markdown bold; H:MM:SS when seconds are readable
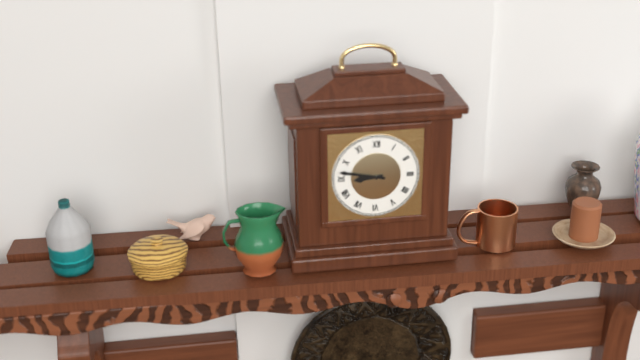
**8:47**
